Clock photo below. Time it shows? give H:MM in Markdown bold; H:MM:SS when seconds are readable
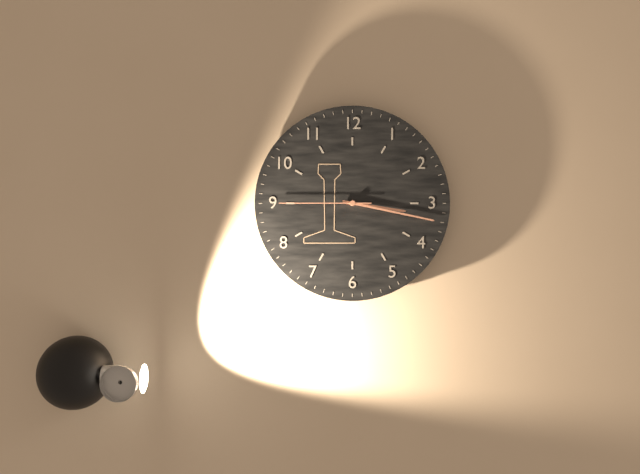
**3:17:45**
